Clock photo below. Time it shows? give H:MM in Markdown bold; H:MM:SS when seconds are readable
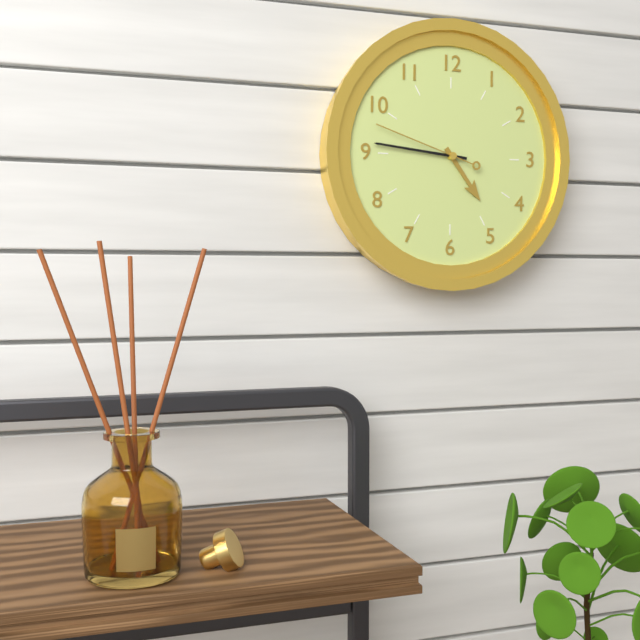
**4:46:48**
